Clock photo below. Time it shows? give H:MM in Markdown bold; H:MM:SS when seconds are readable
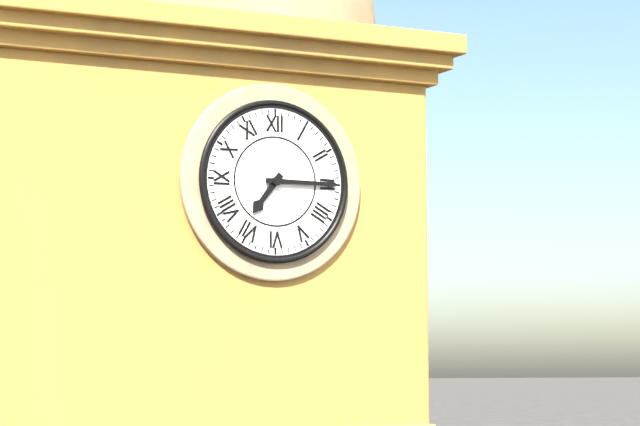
**7:15**
